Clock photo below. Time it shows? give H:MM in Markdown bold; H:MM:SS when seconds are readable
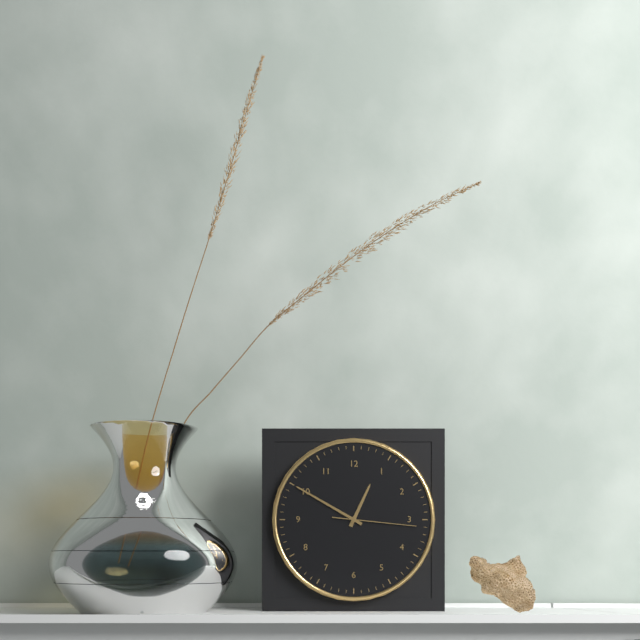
**12:50:16**
